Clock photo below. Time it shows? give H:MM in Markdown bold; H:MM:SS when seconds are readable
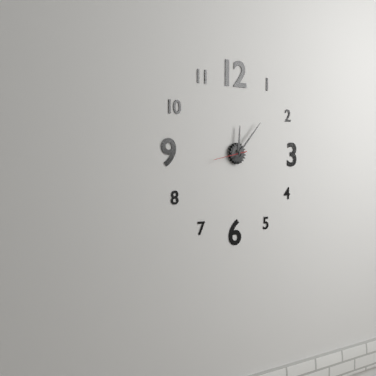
**12:07**
